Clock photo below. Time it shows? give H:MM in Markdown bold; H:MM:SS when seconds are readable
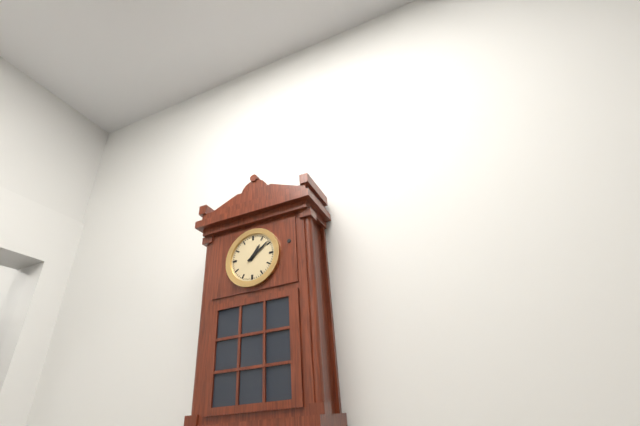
**1:09**
